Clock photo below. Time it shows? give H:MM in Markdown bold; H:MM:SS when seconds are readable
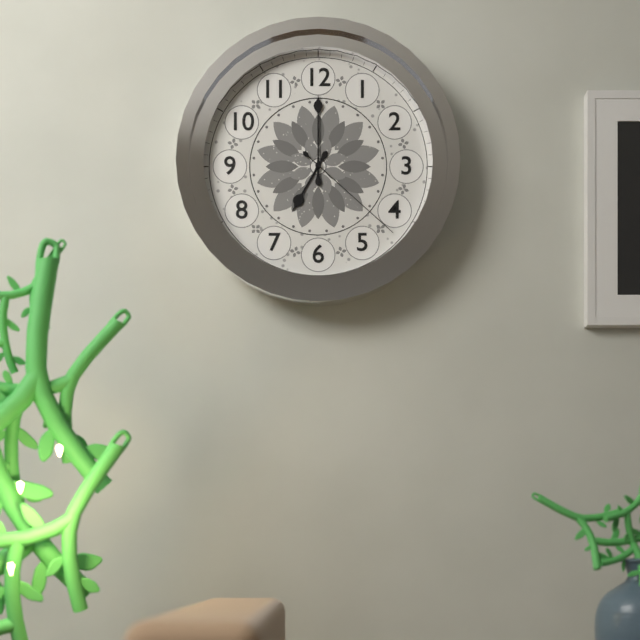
**7:00:22**
